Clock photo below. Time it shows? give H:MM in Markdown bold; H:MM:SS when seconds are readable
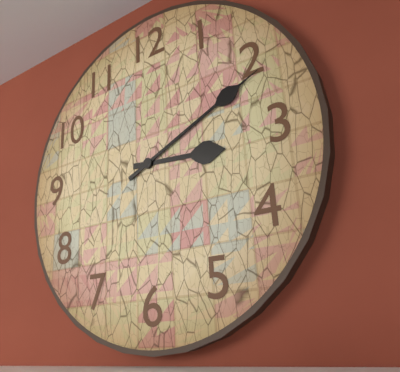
**3:11**
